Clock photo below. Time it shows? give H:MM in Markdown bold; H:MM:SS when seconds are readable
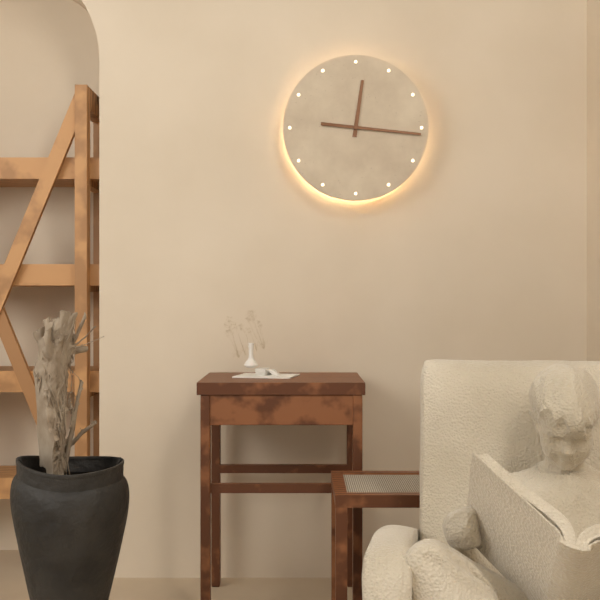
**12:16**
